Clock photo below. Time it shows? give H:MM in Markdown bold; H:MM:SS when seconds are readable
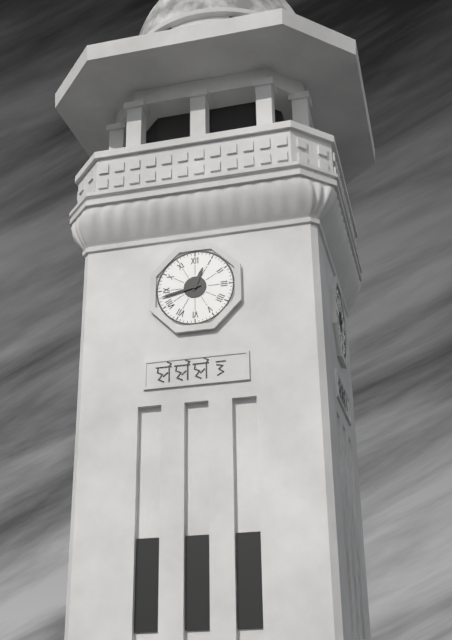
**12:43**
